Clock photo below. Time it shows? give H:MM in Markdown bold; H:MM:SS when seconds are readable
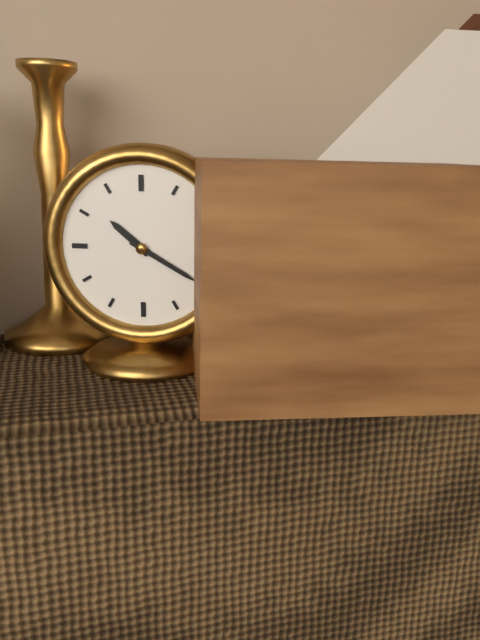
**10:20**
